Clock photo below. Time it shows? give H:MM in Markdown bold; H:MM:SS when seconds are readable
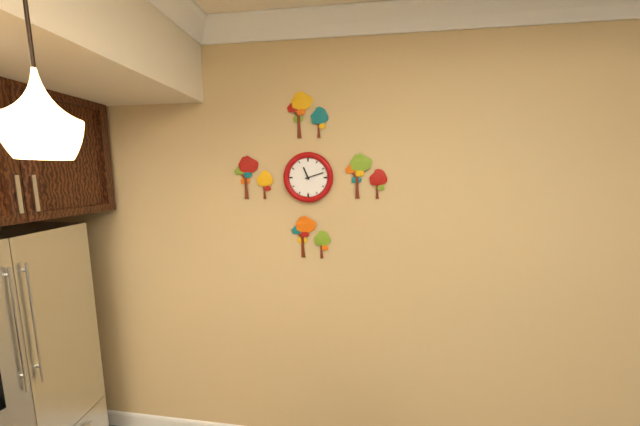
**11:12**
